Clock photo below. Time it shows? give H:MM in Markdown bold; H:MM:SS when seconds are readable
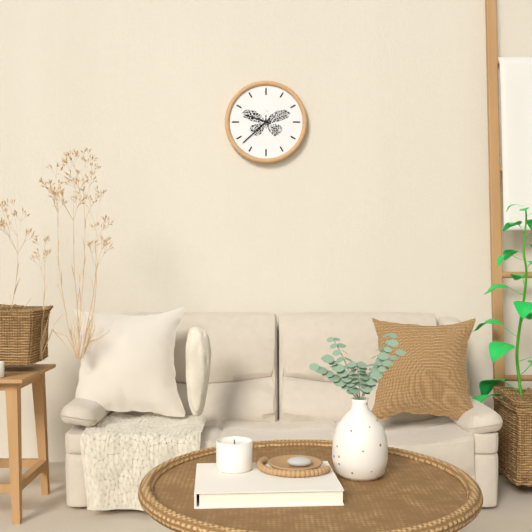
**9:38**
